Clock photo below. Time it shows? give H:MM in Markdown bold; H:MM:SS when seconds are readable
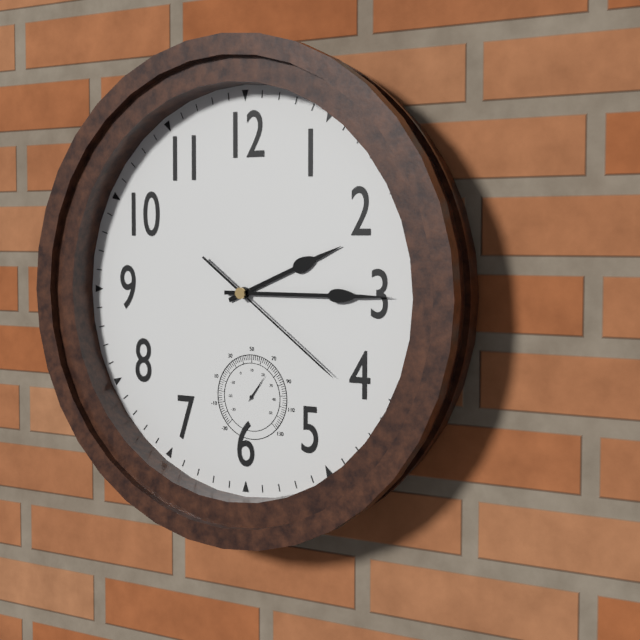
**2:15:21**
